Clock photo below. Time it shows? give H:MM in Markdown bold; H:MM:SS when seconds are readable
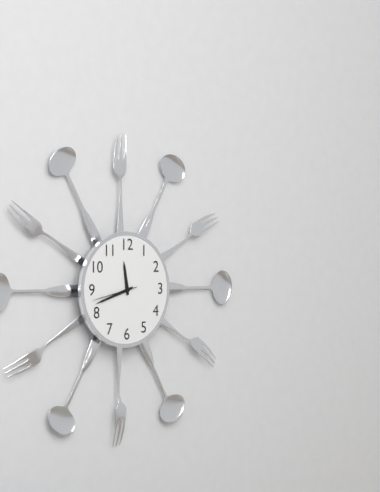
**11:42**
